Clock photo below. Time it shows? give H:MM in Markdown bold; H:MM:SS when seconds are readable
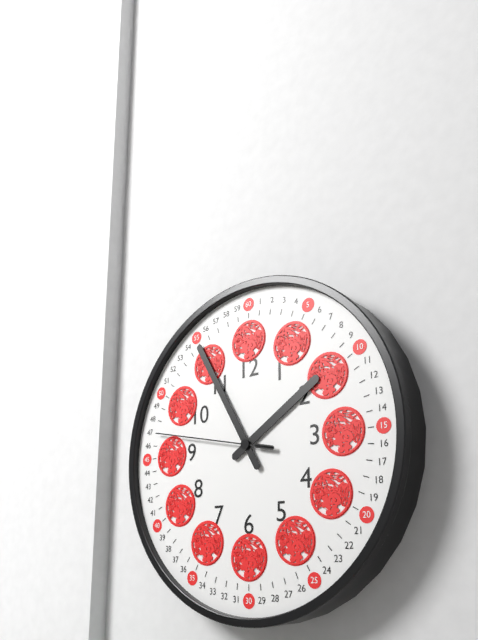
**1:55:47**
